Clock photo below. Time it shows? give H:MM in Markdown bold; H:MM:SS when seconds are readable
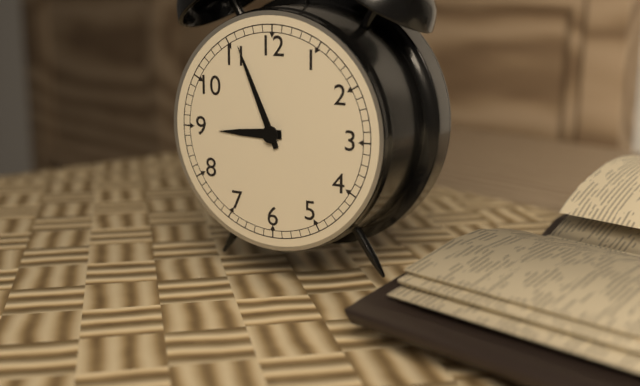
**8:56**
